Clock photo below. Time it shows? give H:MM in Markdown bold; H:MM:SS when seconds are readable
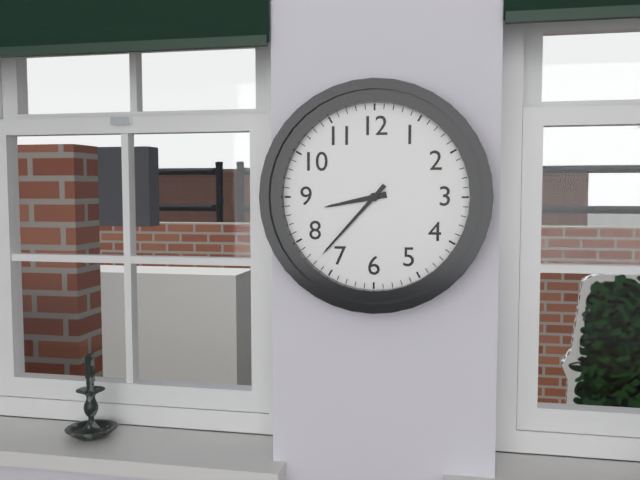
**8:37**
